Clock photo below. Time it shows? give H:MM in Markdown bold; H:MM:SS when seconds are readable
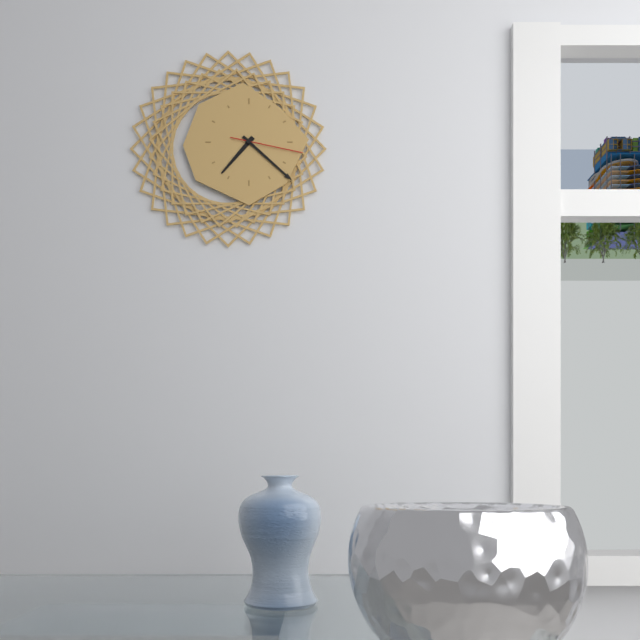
**7:22:17**
